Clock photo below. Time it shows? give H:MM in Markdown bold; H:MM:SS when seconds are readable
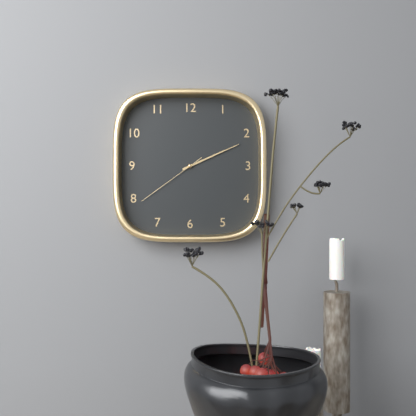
**2:11:39**
